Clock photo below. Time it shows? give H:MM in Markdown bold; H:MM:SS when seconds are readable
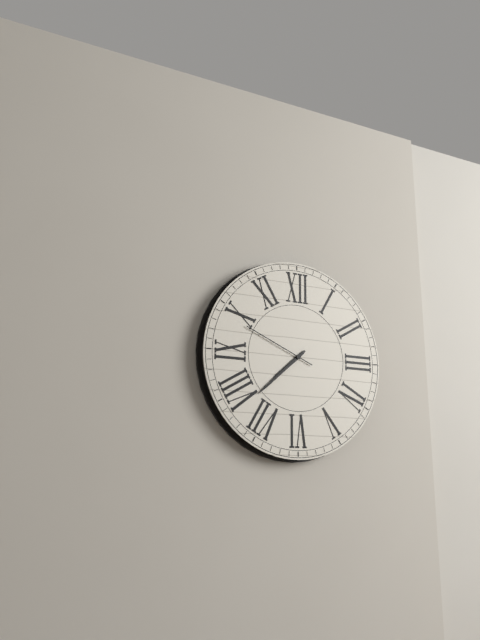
**7:38:49**
